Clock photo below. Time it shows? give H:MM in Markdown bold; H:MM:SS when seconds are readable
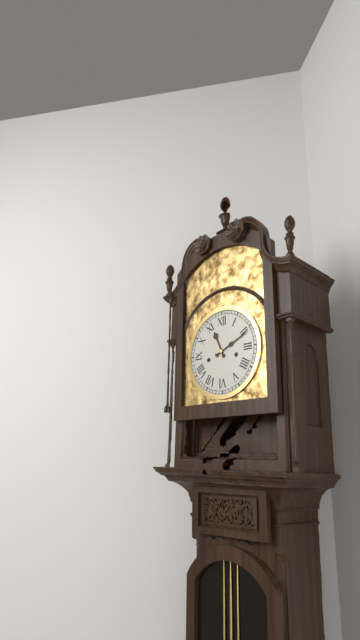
**11:11**
